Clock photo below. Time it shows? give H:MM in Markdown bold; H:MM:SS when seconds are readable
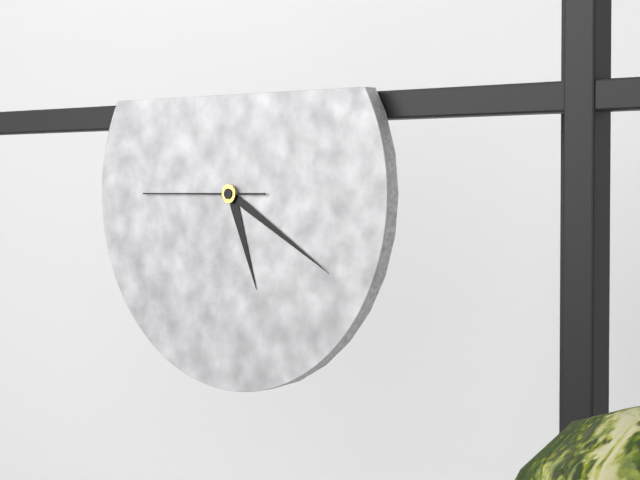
**5:20:45**
